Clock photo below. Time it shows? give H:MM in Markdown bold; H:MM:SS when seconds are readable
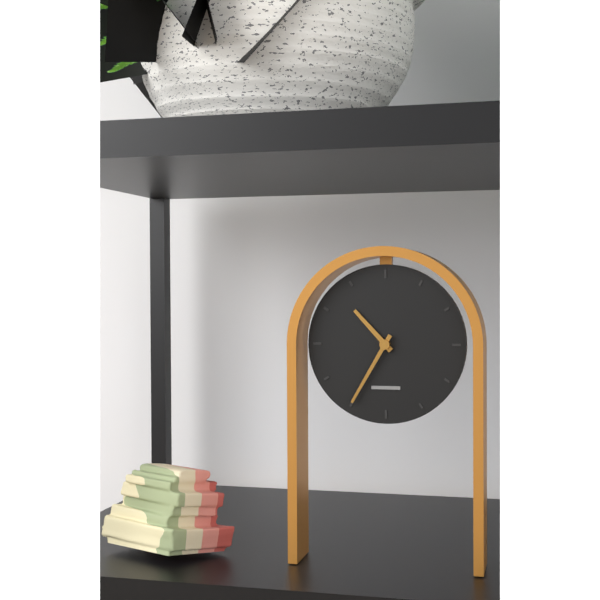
**10:35**
